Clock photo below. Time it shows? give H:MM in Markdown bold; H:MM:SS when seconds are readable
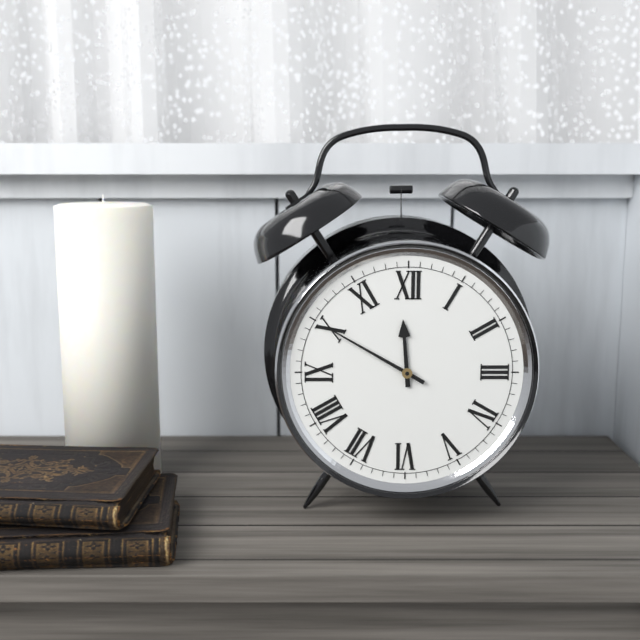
**11:50**
